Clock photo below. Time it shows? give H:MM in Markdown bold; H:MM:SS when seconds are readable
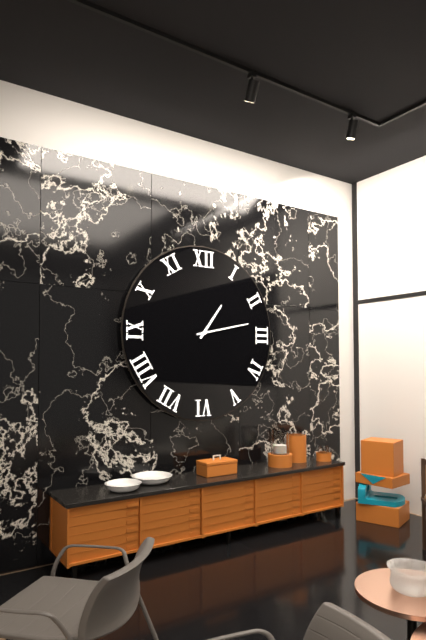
**1:13**
